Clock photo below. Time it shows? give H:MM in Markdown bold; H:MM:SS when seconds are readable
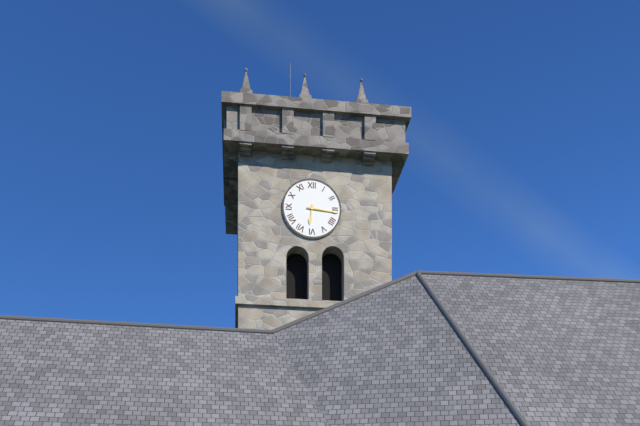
**6:16**
